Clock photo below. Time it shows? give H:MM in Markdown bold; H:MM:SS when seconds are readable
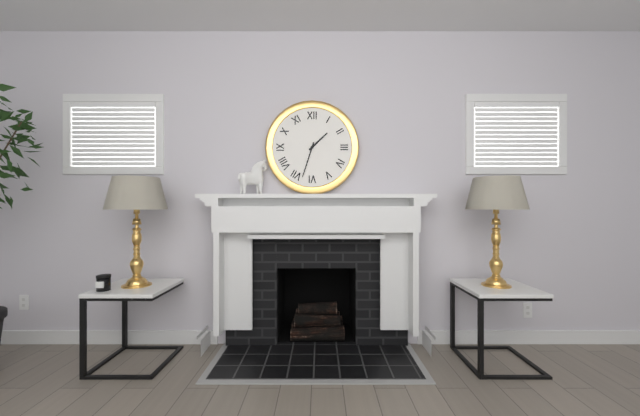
**1:33**
